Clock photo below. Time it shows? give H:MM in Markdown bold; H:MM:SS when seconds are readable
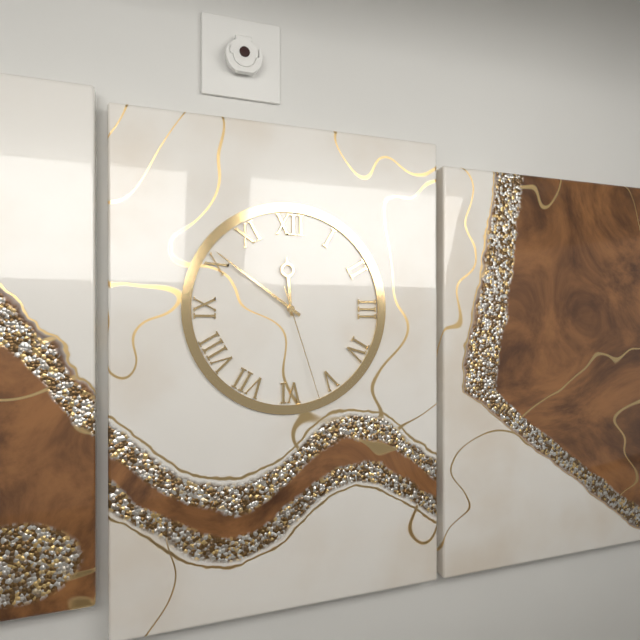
**11:51:27**
